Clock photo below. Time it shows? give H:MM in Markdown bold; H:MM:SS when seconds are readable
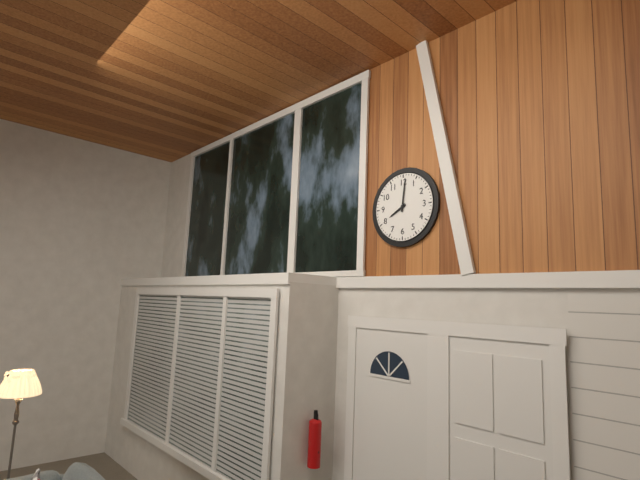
**8:01**
